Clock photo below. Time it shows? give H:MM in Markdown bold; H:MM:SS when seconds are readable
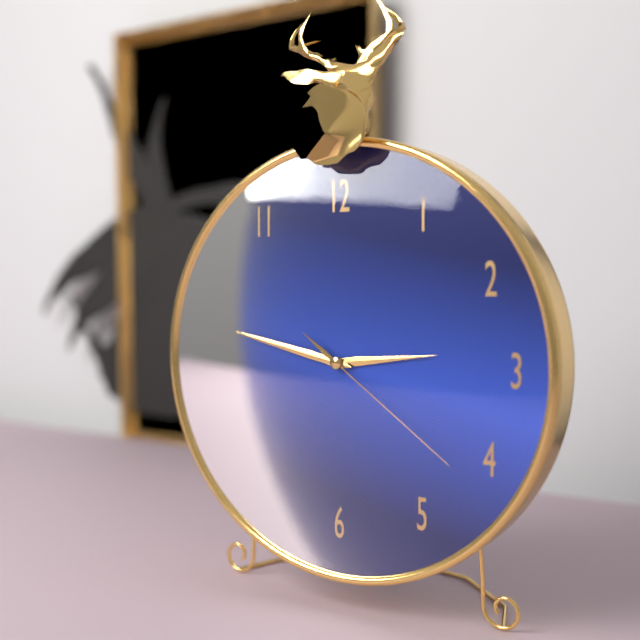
**2:47:21**
